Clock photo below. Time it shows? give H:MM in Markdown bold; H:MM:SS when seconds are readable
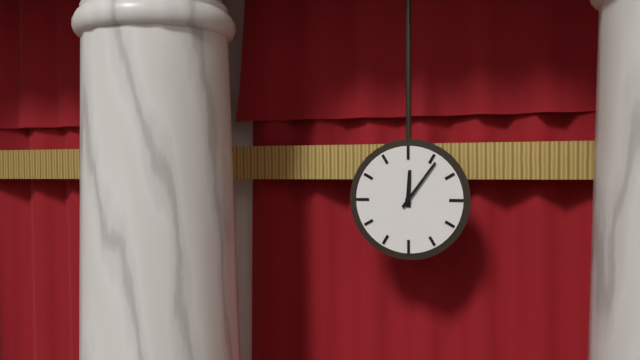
**12:06**
